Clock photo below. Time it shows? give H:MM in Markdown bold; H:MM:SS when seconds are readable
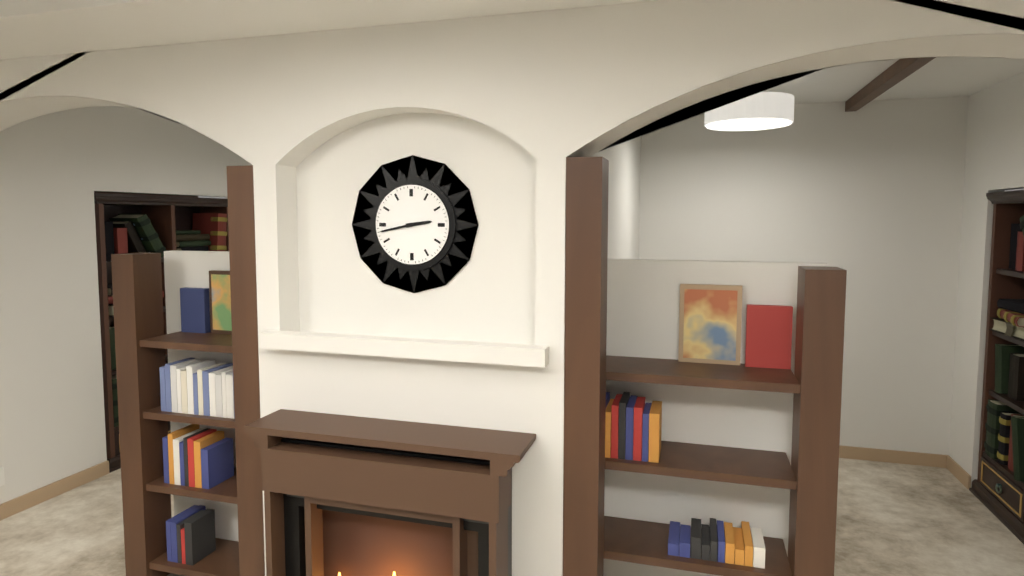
**2:43**
